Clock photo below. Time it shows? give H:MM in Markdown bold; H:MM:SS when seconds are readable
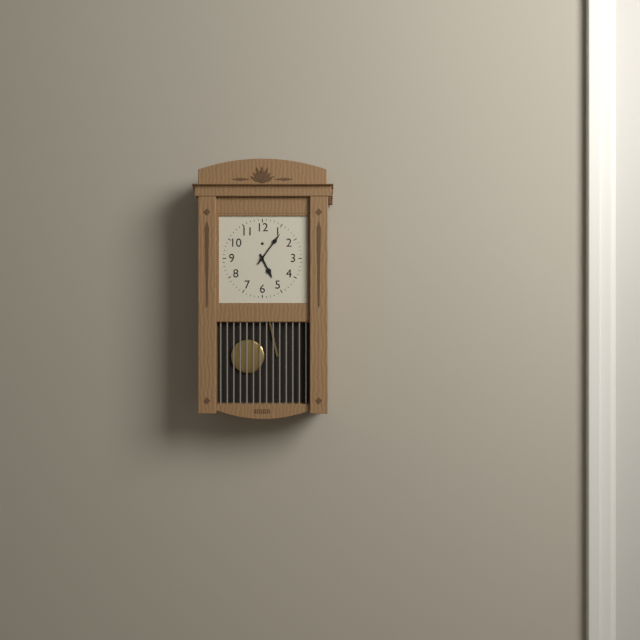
**5:06**
